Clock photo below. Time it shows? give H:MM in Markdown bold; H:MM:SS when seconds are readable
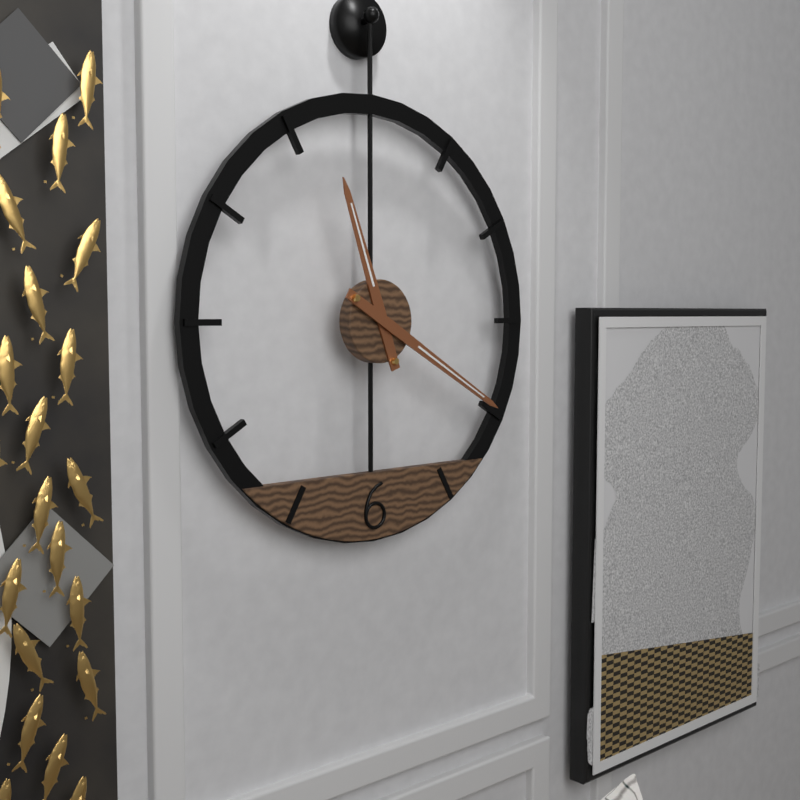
**11:20**
